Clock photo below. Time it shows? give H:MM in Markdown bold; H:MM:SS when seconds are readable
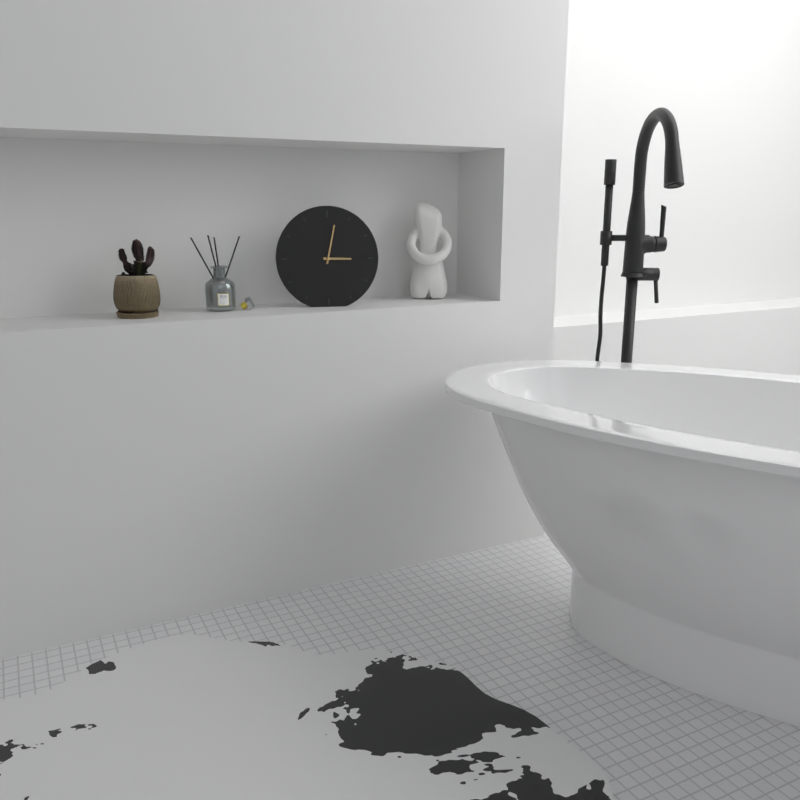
**3:02**
